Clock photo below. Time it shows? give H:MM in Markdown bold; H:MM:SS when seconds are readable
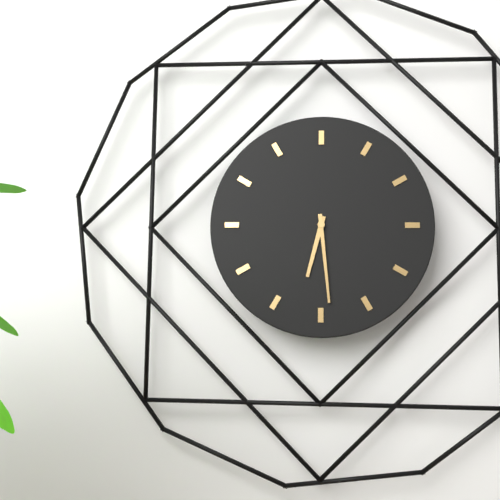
**6:29**
